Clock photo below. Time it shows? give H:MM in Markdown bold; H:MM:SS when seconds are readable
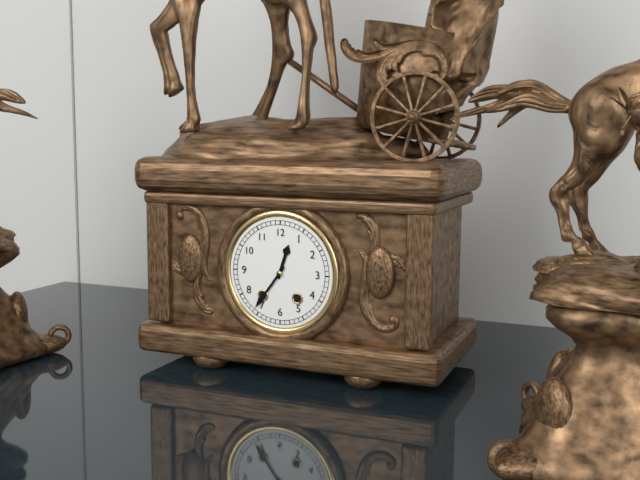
**12:36**
